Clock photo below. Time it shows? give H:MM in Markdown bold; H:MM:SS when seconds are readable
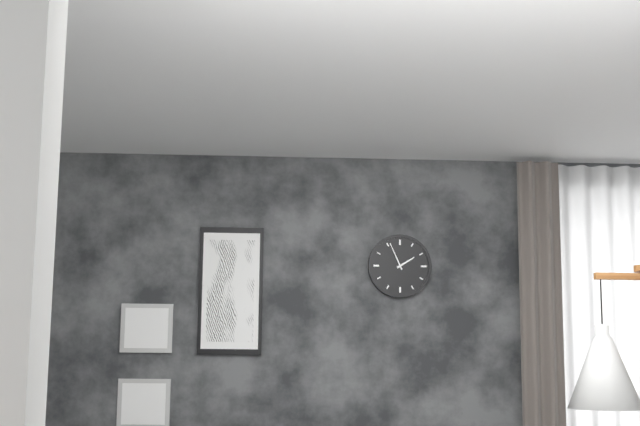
**1:56**
